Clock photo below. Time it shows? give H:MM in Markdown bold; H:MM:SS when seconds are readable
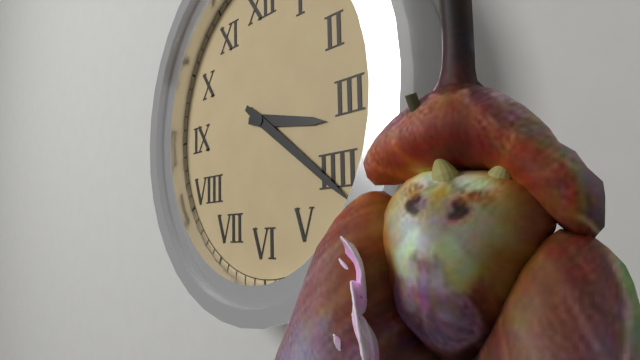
**3:21**
